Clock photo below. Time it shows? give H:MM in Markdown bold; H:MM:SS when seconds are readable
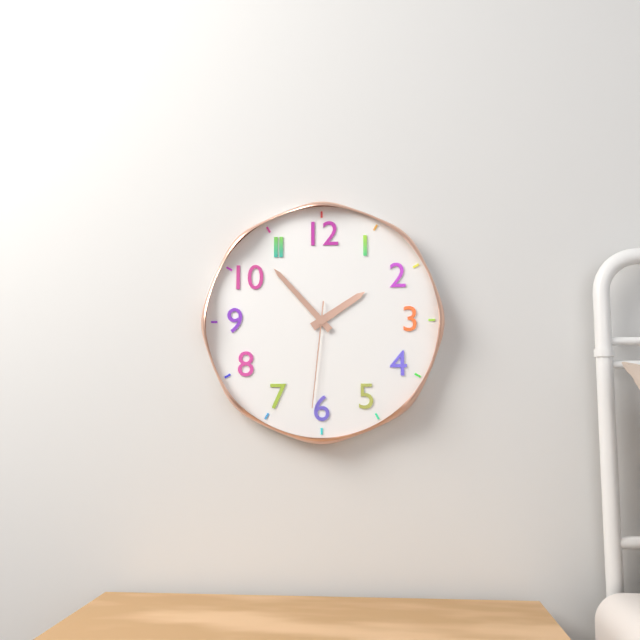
**1:53:31**
